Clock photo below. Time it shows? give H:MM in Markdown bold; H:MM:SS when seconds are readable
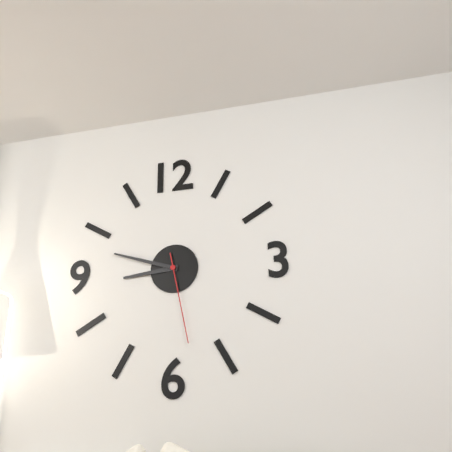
**8:48:28**
